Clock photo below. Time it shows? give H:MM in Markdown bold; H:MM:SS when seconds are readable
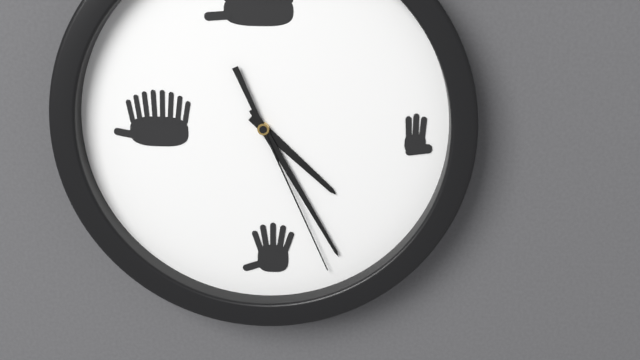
**4:25:26**
